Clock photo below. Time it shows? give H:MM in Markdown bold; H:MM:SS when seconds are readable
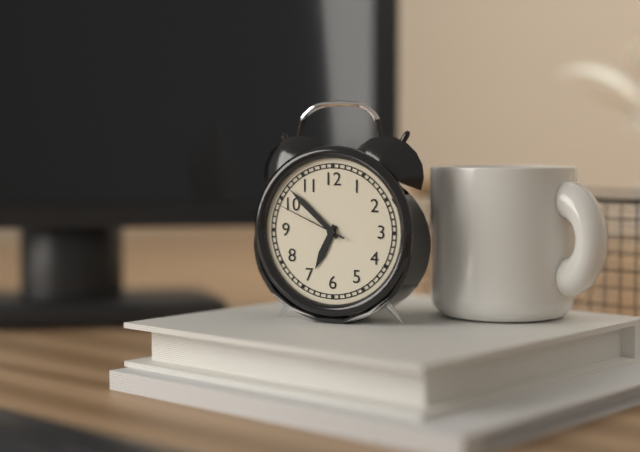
**6:52:49**
